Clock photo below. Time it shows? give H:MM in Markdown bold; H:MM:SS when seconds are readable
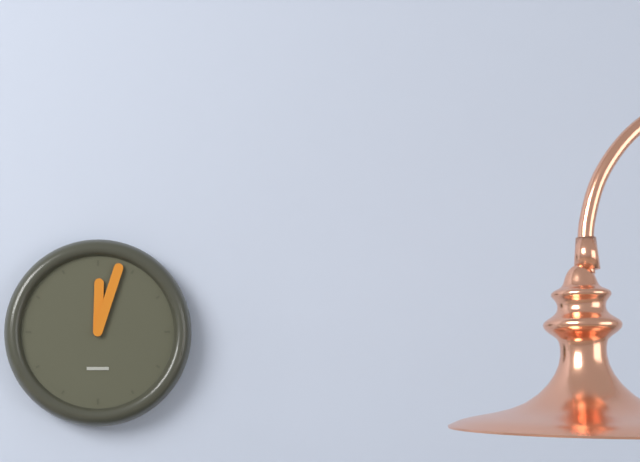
**12:03**
